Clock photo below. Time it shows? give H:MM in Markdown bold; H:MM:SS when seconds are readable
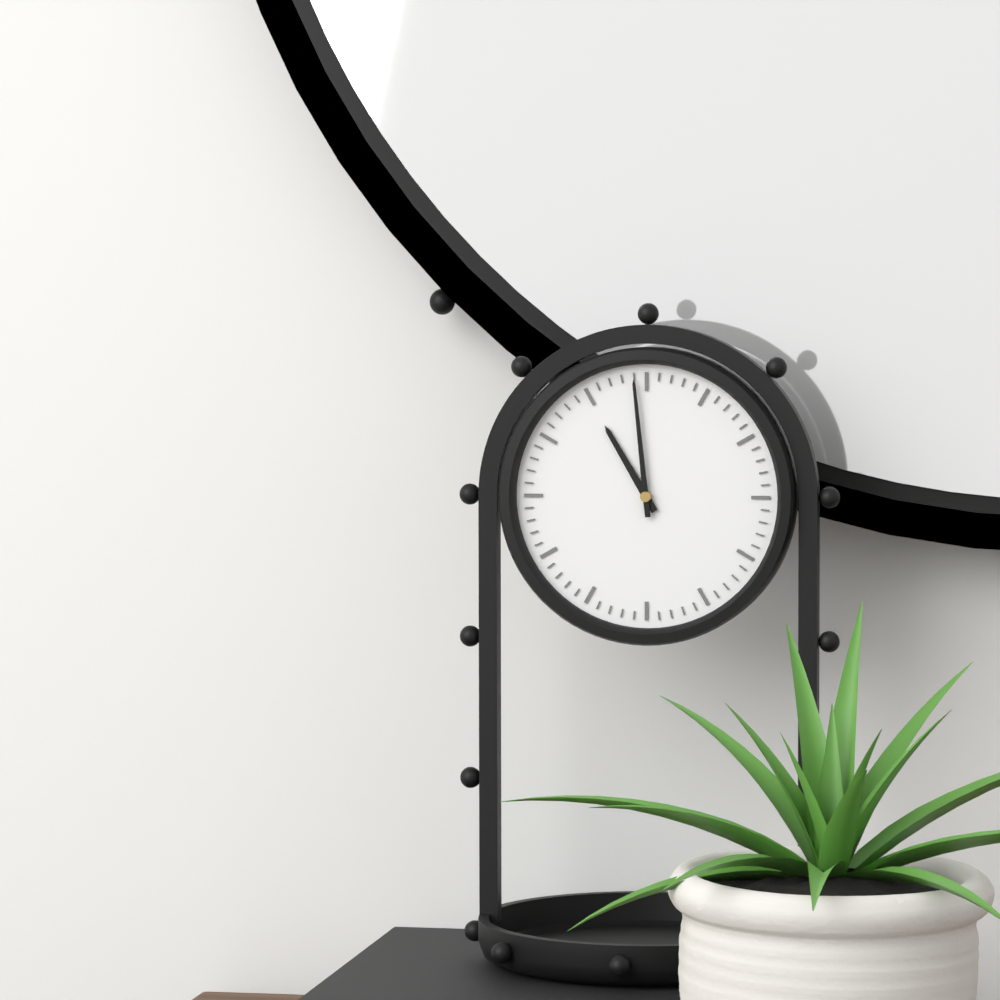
**10:59**
